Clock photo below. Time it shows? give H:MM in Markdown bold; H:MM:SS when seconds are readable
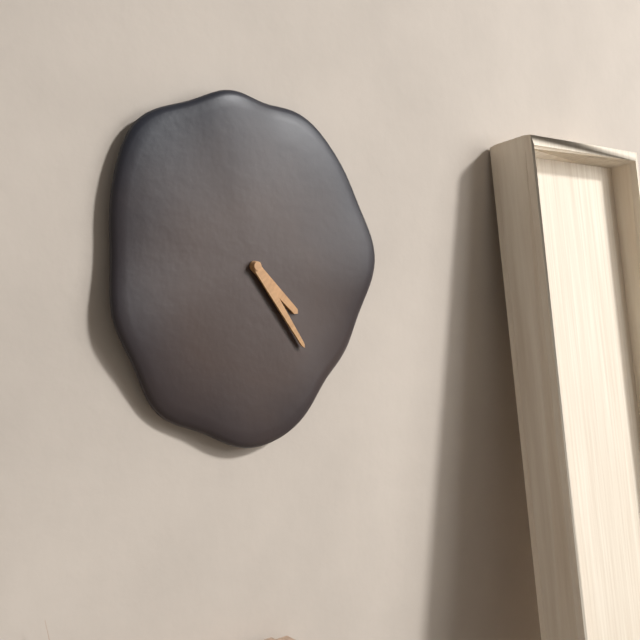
**4:24**
